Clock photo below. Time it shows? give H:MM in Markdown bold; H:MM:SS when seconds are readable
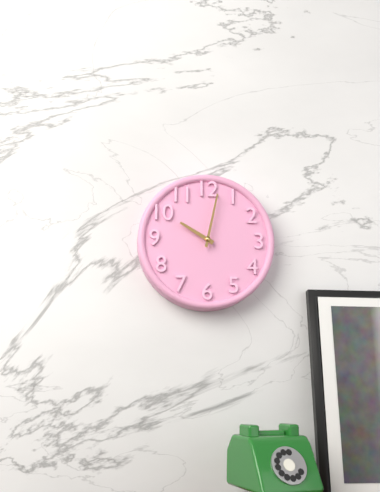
**10:02**
